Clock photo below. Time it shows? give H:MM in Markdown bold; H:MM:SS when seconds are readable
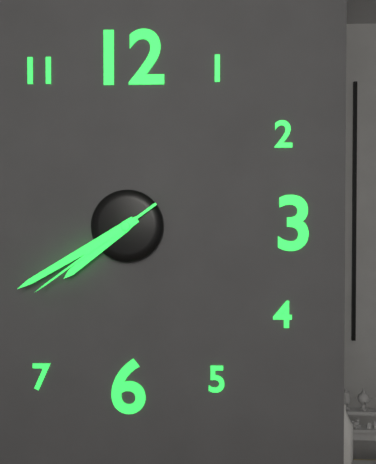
**7:40:39**
